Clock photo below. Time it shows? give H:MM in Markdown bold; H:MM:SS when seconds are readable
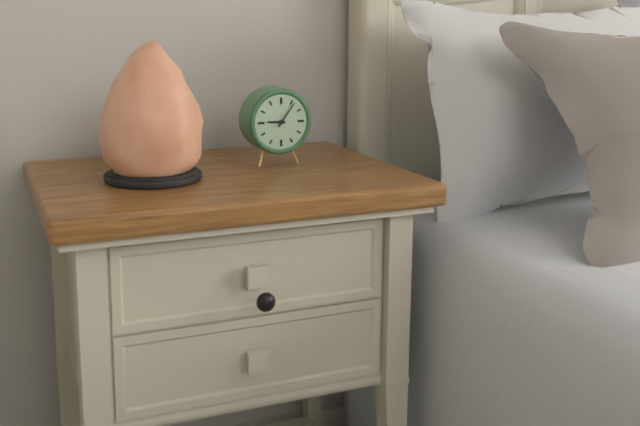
**9:06**
